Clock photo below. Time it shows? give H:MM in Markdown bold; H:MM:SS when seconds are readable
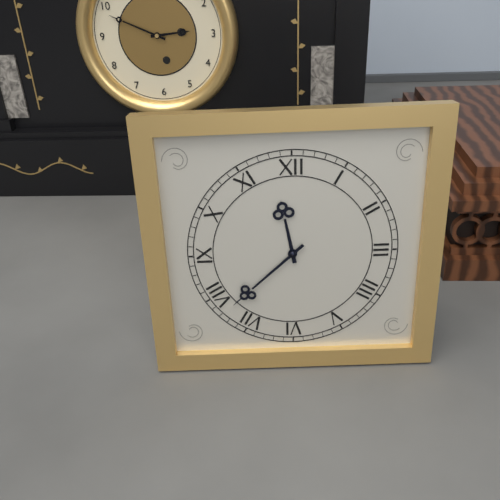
**11:38**
